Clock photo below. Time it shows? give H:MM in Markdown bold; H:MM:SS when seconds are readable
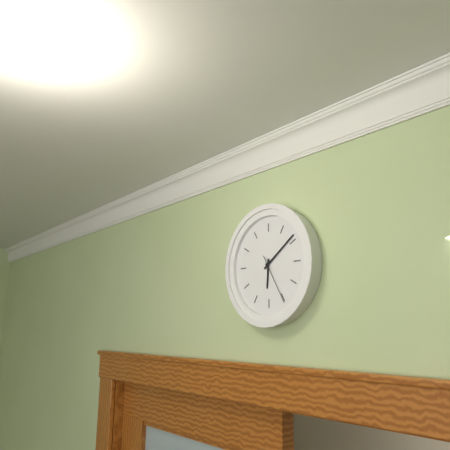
**6:09:25**
